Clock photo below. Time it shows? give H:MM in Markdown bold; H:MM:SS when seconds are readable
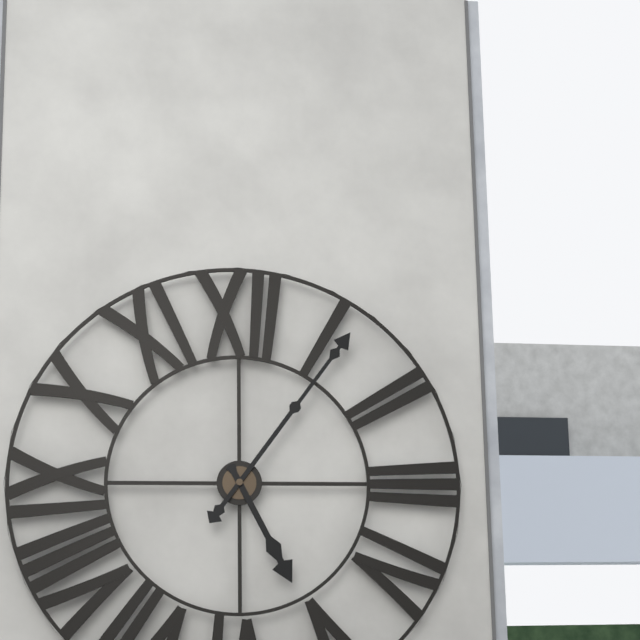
**5:06**
